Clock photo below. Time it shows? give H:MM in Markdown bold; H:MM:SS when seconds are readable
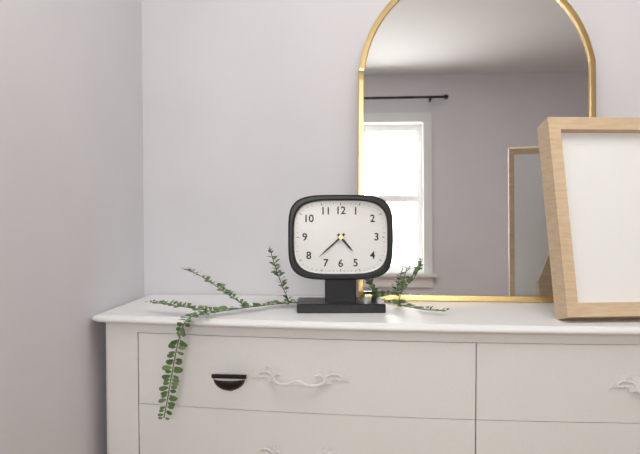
**4:38**
